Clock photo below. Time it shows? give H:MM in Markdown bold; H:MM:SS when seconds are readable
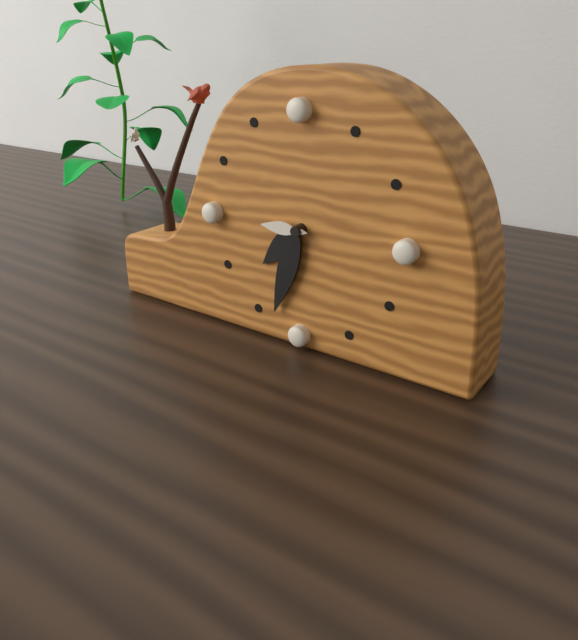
**7:33**
